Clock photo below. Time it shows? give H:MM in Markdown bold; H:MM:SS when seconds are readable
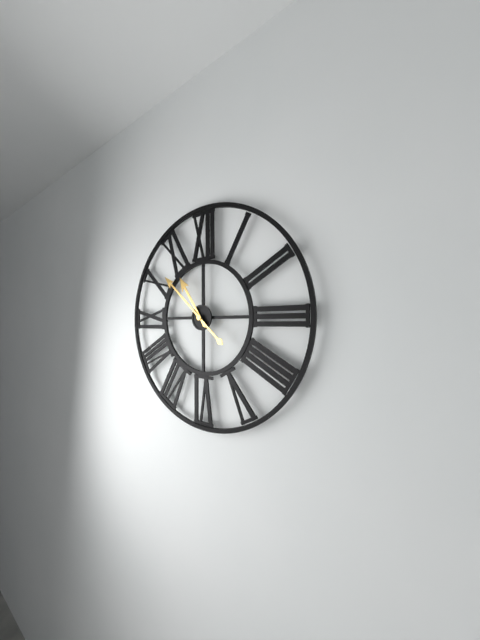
**10:52**
